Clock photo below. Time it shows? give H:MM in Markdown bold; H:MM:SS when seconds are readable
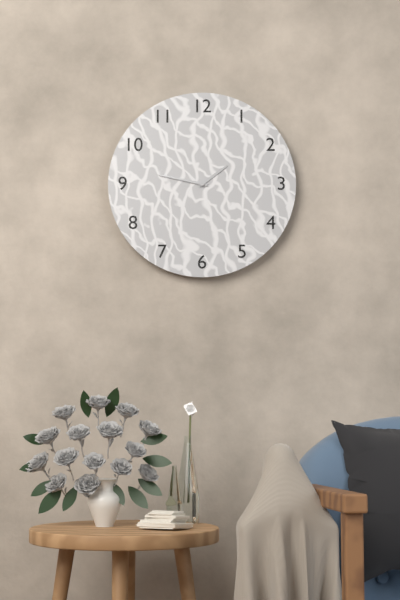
**1:47**
